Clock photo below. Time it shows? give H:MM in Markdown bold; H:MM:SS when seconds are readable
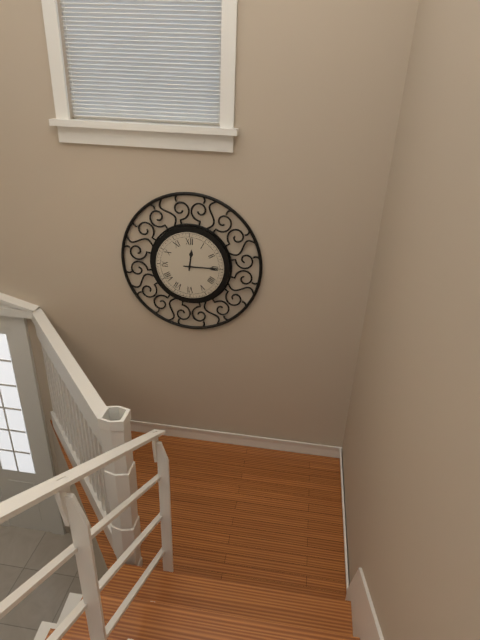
**12:15**
